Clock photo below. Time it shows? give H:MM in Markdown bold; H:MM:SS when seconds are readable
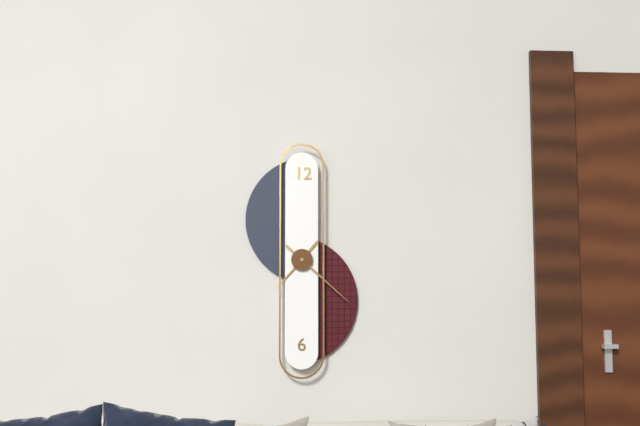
**7:22**
